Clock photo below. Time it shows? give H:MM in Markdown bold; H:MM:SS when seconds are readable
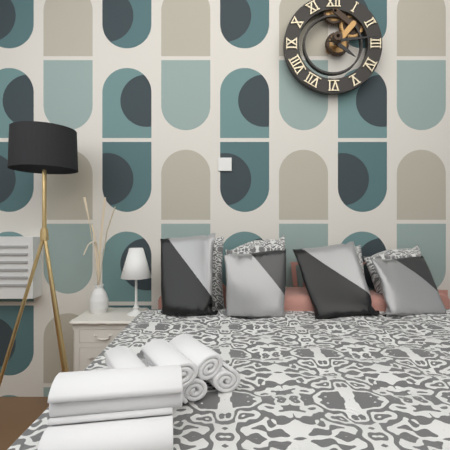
**4:14**
